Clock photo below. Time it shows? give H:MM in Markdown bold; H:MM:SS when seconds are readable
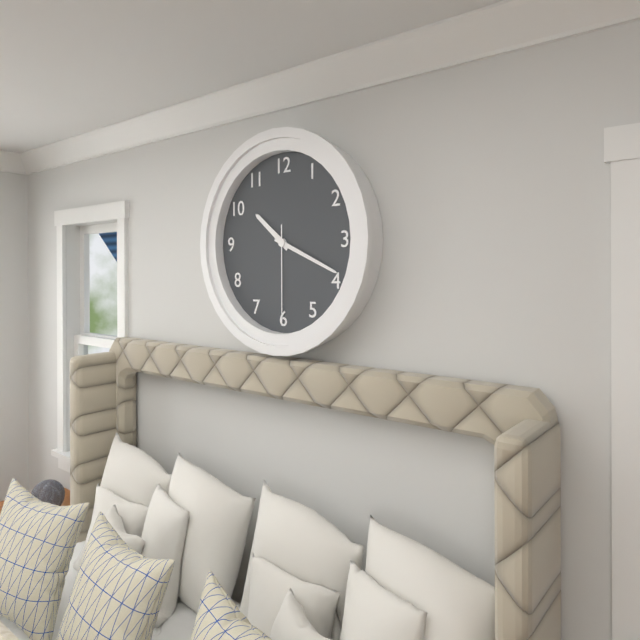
**10:19:30**
